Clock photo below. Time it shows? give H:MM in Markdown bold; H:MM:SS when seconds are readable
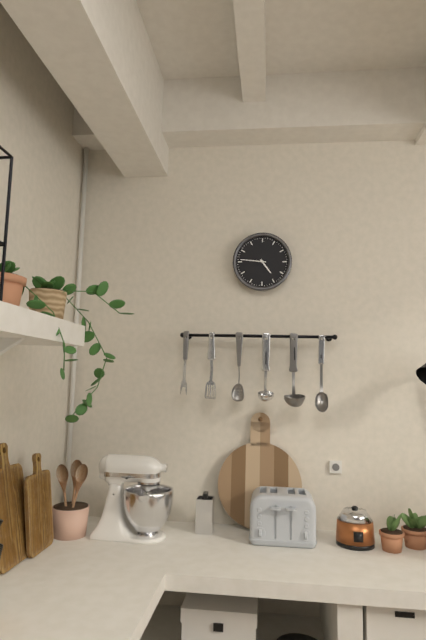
**4:46**
